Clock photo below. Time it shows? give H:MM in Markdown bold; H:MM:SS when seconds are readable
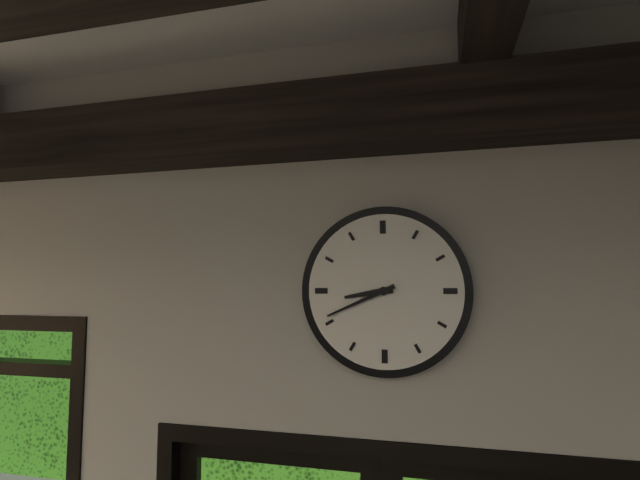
**8:41**
